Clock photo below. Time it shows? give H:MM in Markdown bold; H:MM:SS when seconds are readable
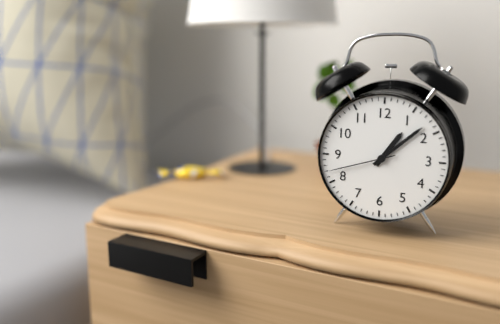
**1:08:42**
